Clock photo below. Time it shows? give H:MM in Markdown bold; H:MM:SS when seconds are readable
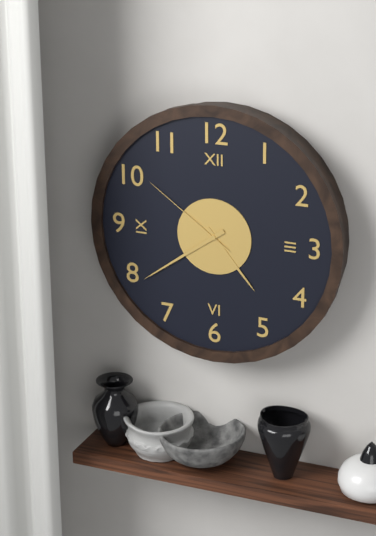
**4:39:51**
